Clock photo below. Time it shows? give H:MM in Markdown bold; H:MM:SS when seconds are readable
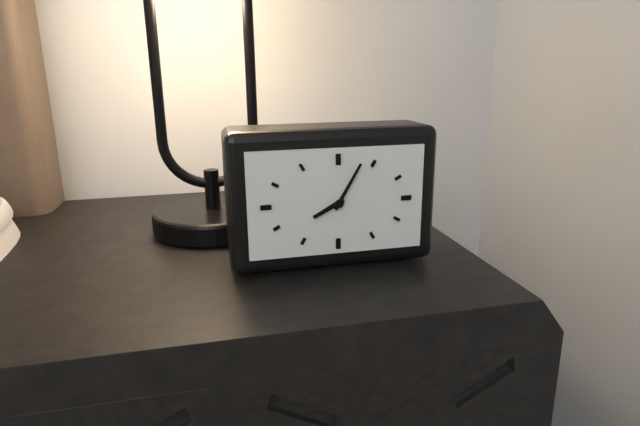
**8:05**
